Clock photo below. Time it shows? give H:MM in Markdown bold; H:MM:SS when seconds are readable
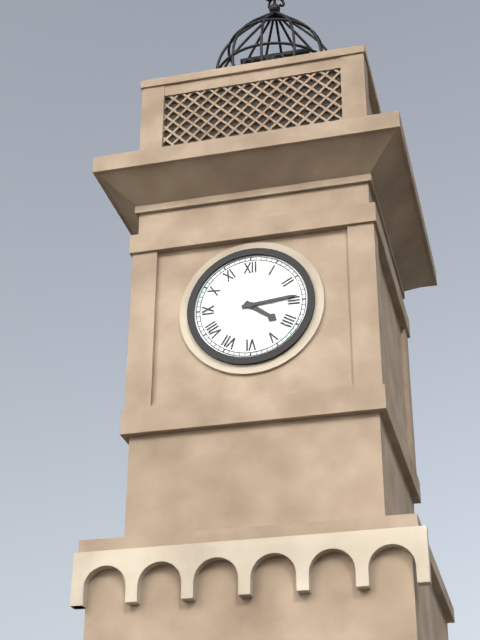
**4:14**
